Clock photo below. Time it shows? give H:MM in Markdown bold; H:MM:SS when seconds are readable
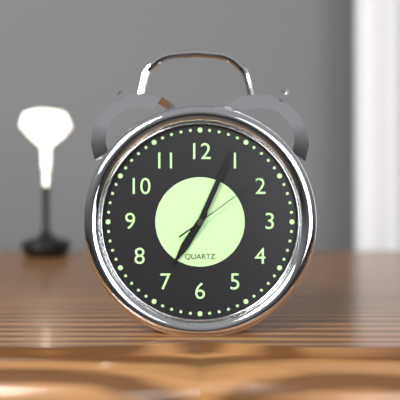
**7:04:09**
